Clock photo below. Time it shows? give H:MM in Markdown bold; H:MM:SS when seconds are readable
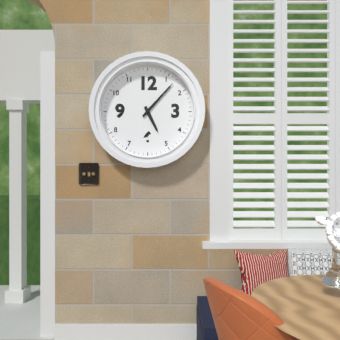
**5:07**
